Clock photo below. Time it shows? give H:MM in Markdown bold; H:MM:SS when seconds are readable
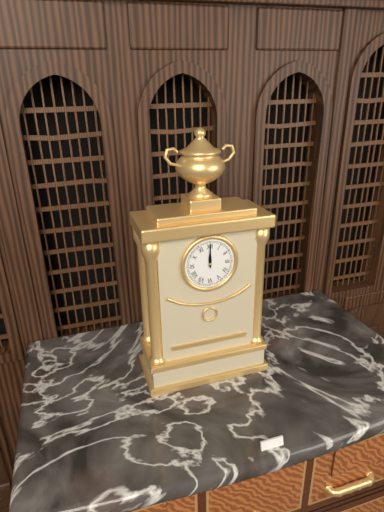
**12:00**
